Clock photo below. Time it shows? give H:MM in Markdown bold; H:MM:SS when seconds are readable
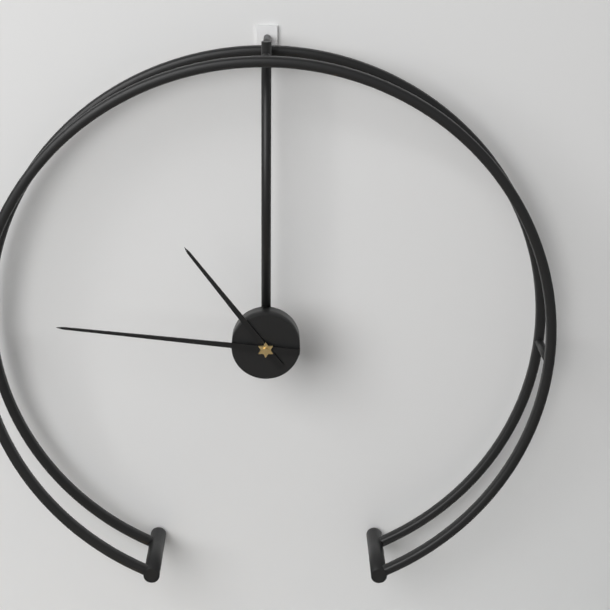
**10:46**
